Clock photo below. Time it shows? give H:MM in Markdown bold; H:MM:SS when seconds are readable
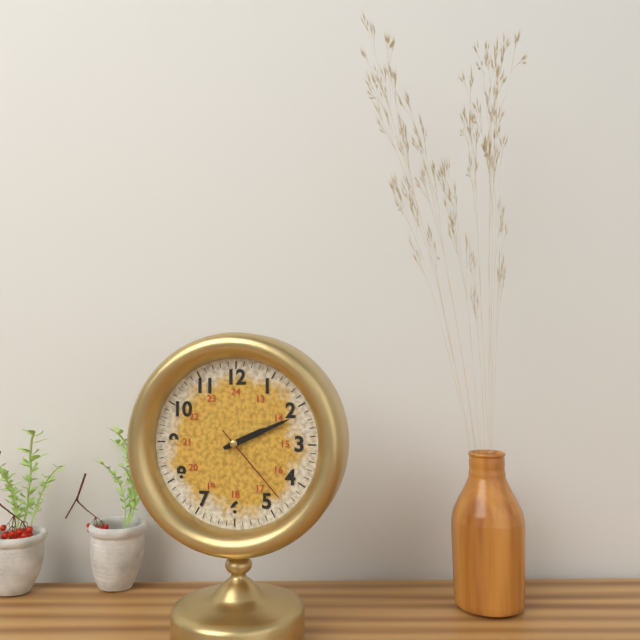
**2:11:23**
